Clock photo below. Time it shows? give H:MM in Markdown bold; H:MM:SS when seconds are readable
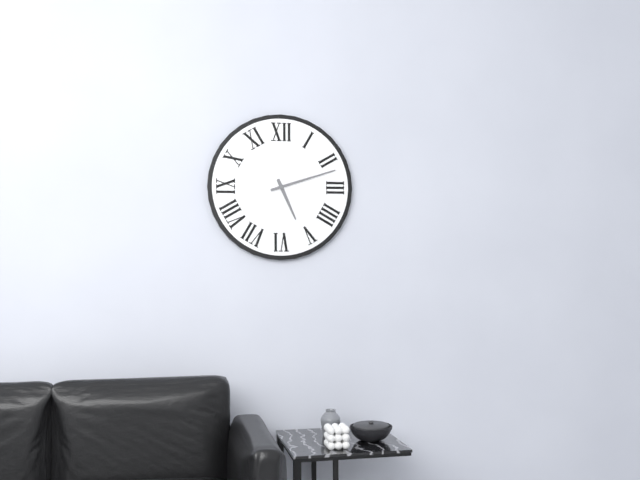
**5:12**
